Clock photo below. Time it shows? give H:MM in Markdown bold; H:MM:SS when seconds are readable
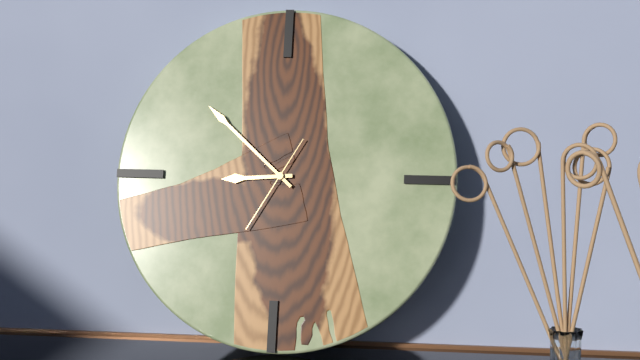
**8:52:35**
